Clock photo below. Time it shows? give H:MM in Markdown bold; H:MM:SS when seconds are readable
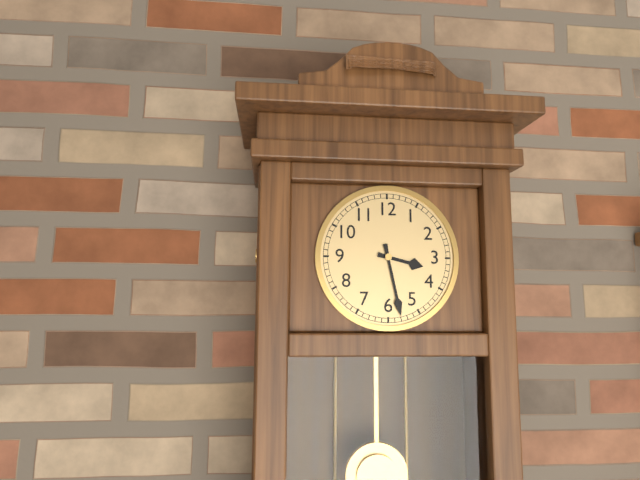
**3:28**
